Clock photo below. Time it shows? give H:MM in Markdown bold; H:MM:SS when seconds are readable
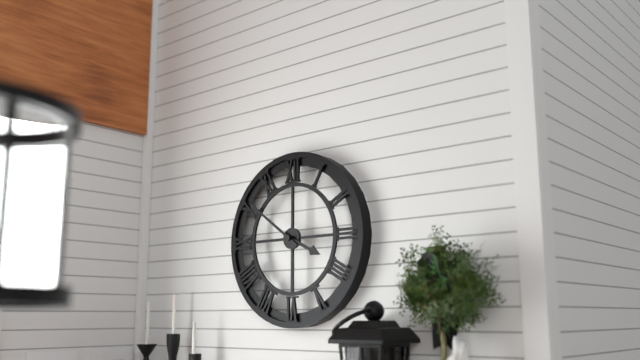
**3:51**
